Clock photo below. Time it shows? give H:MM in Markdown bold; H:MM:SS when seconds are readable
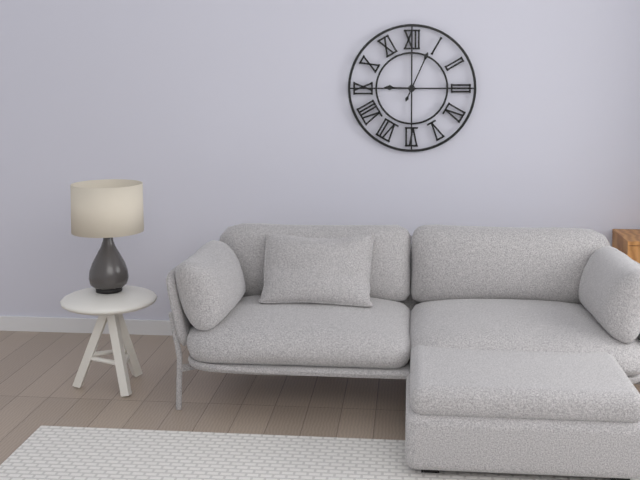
**9:04**
